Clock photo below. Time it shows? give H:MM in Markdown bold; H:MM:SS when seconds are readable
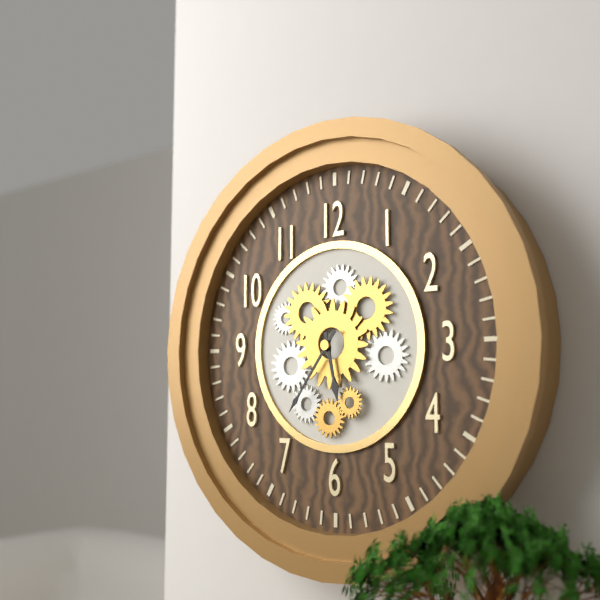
**5:36**
